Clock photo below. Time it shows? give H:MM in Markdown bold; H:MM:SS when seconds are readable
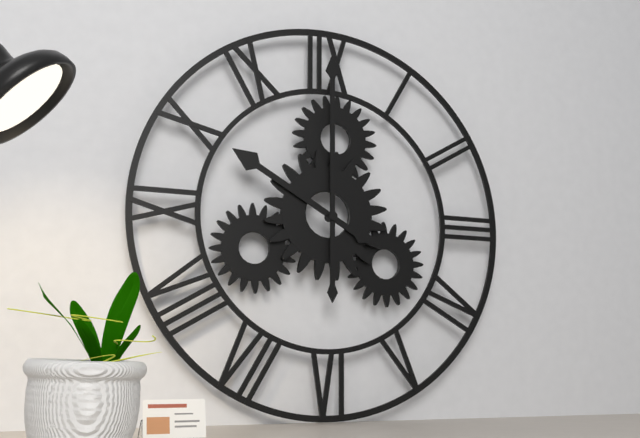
**10:00**
